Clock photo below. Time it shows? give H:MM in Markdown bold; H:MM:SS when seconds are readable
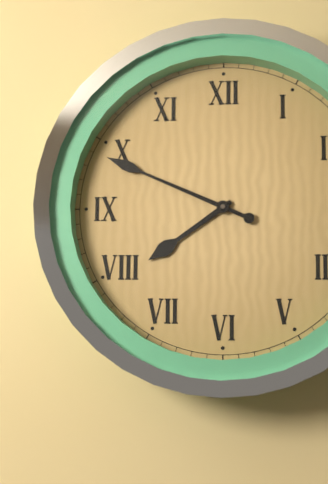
**7:49**
